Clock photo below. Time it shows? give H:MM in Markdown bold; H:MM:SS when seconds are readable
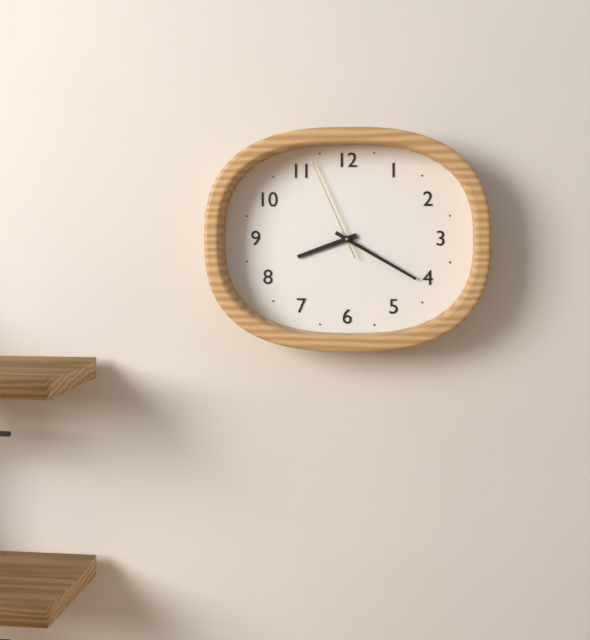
**8:20:56**
